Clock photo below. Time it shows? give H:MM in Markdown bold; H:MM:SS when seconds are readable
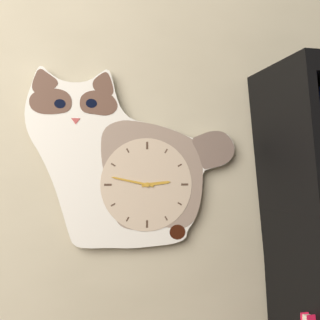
**2:47**
